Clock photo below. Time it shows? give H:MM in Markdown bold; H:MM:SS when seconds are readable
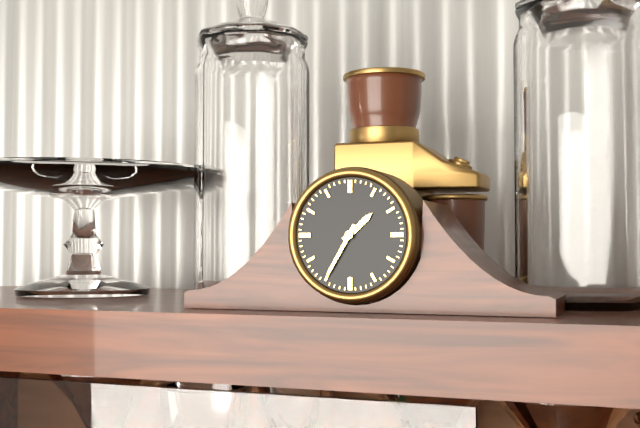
**1:35**
